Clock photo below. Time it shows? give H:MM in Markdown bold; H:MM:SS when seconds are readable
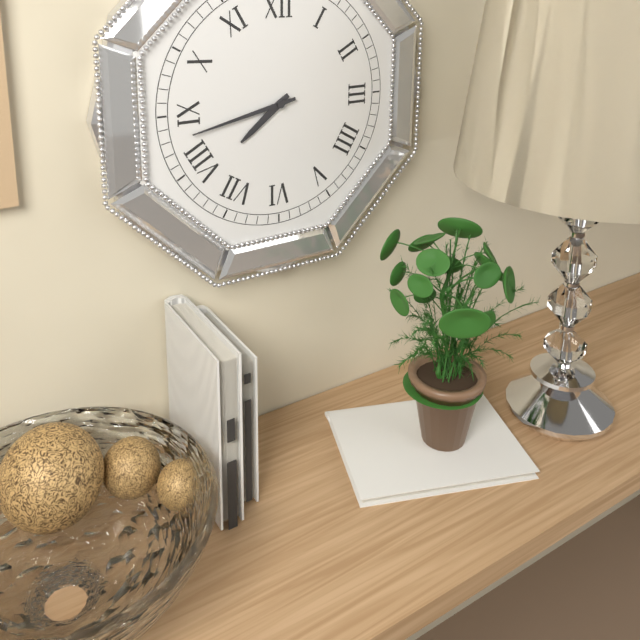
**7:43**
